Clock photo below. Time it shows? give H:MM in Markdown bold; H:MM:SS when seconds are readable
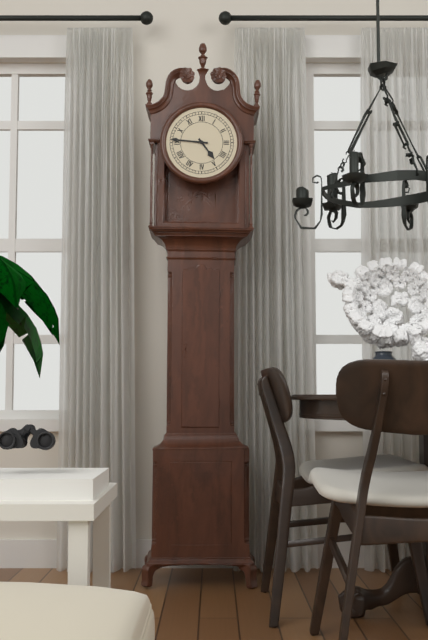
**4:46**
